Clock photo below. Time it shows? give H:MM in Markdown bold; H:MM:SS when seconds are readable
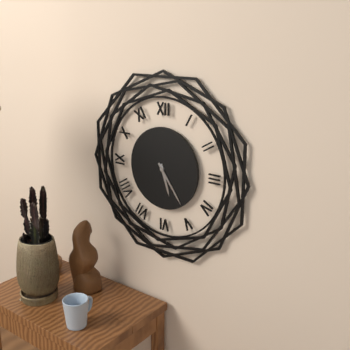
**5:24**
